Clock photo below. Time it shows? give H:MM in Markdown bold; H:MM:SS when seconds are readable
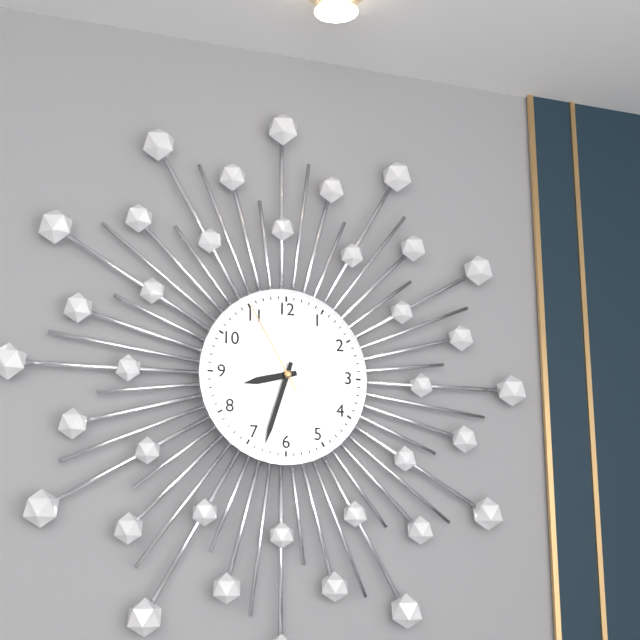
**8:33:55**
